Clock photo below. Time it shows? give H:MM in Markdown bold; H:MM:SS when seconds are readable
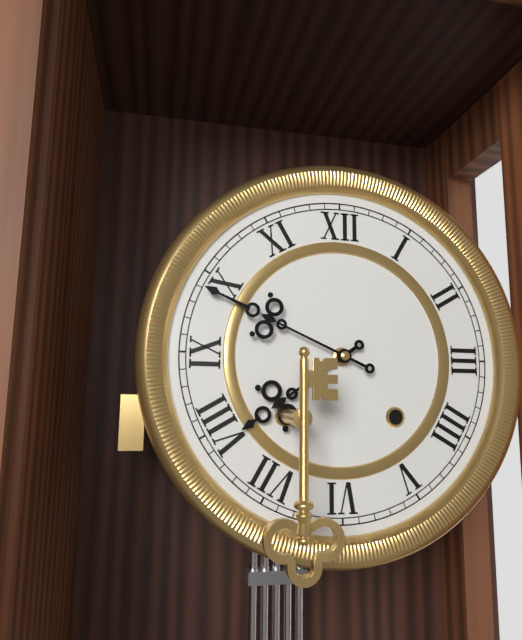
**7:49**
